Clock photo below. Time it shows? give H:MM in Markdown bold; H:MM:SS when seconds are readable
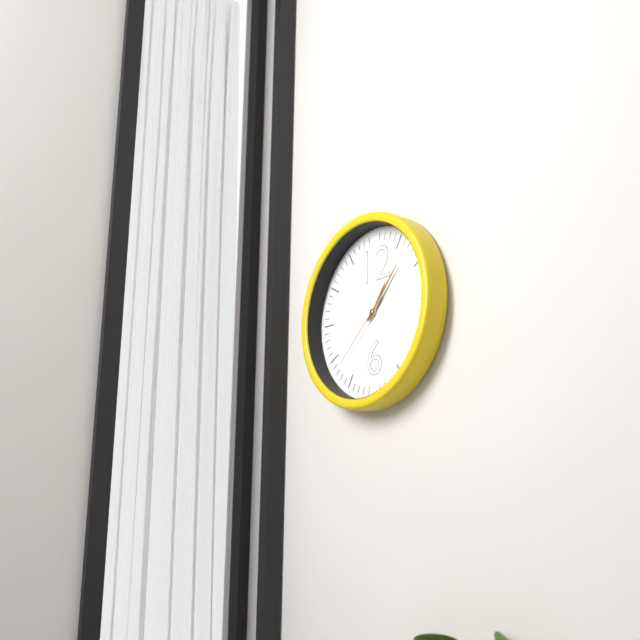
**1:07:38**
